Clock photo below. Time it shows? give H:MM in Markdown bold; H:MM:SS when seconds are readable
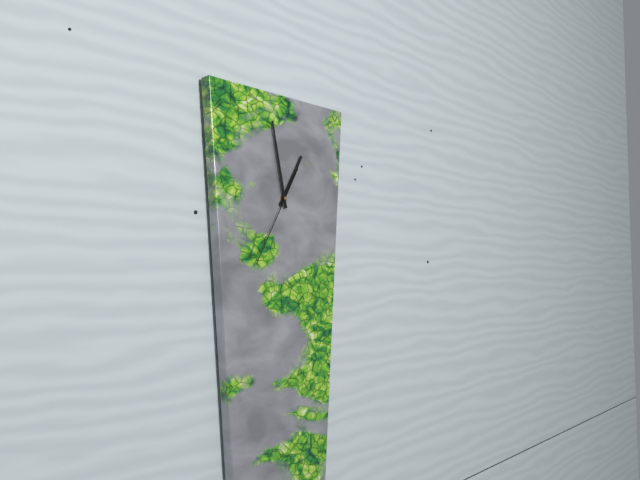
**12:58:35**
